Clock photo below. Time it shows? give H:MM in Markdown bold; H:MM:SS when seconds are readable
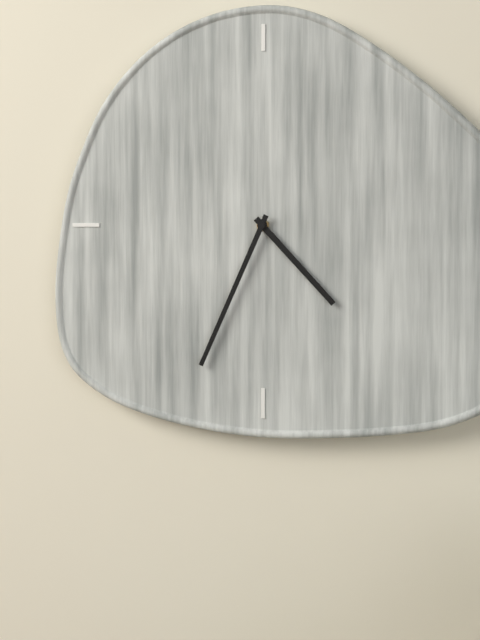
**4:34**
